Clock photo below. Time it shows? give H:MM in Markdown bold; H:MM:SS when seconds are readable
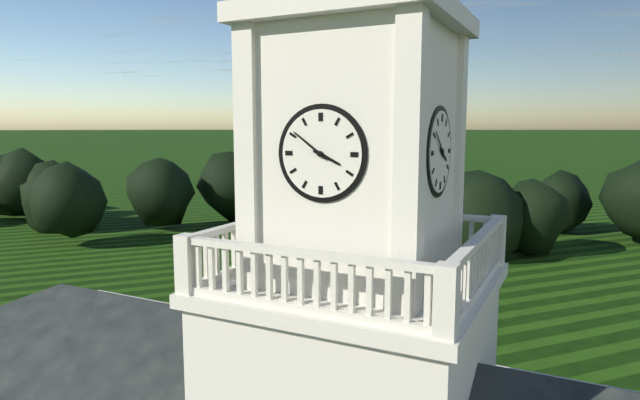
**3:51**
